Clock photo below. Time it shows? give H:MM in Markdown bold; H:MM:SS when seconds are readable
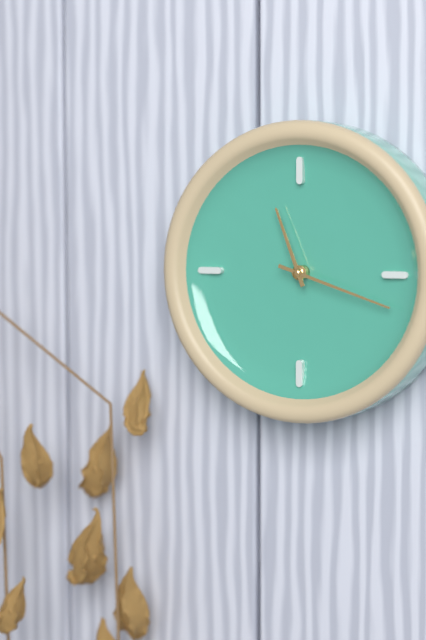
**11:18**
